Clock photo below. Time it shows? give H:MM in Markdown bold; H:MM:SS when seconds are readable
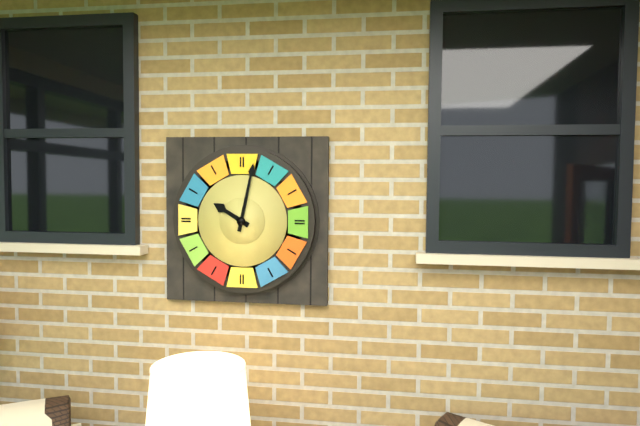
**10:02**
